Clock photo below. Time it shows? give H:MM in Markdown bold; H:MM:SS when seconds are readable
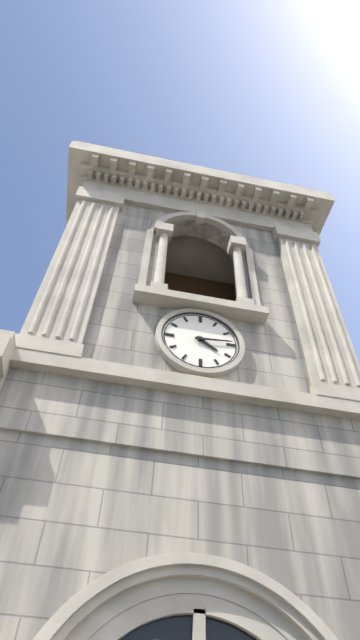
**4:14**
